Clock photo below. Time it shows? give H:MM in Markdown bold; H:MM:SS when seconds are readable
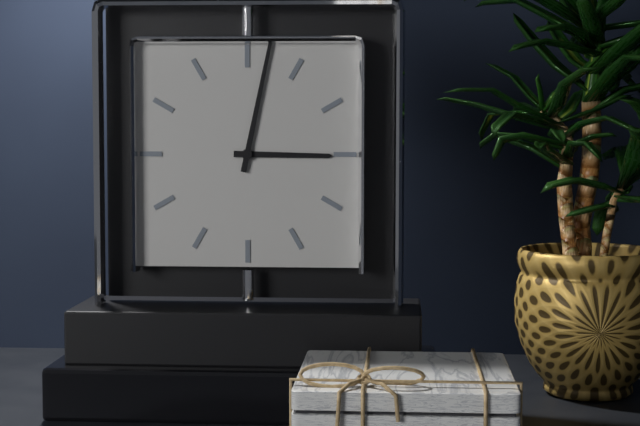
**3:02**
